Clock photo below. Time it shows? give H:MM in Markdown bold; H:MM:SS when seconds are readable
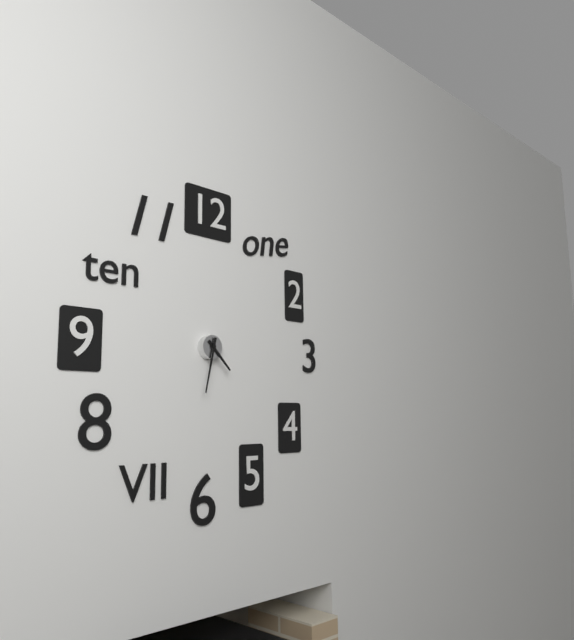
**4:32**
